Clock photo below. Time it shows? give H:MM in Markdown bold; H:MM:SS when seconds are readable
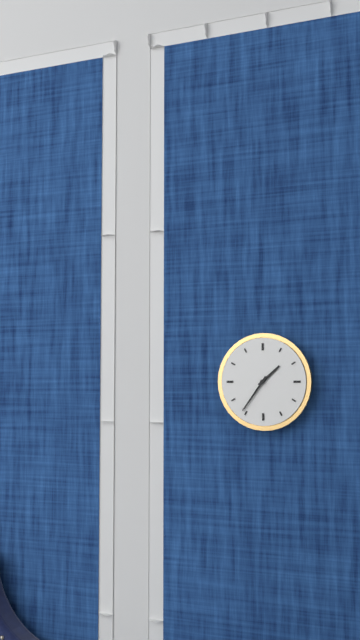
**1:36**
